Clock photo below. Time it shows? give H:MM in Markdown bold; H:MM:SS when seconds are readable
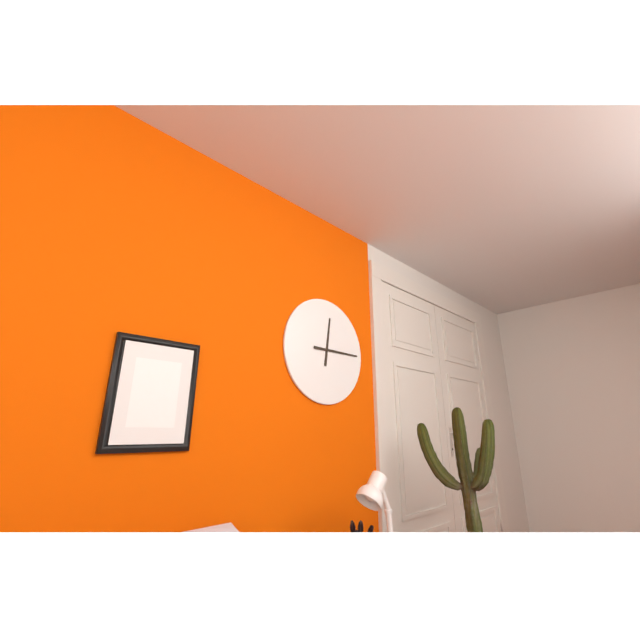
**12:15**
